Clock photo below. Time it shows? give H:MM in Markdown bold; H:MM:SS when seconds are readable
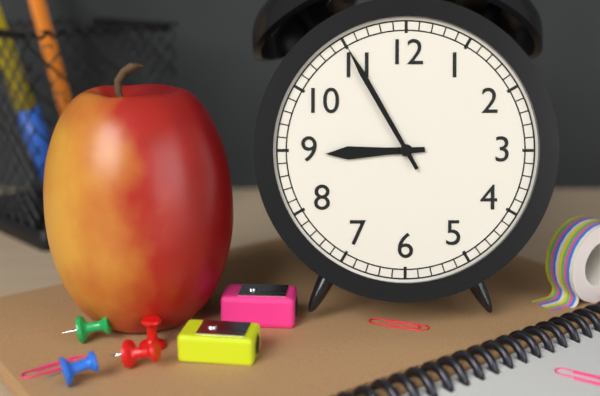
**8:55**
